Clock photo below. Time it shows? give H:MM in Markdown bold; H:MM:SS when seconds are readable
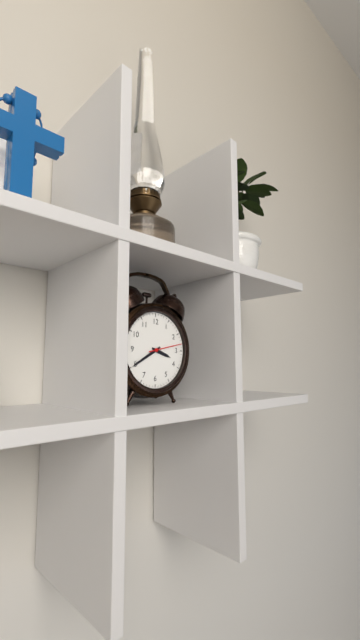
**3:40**
